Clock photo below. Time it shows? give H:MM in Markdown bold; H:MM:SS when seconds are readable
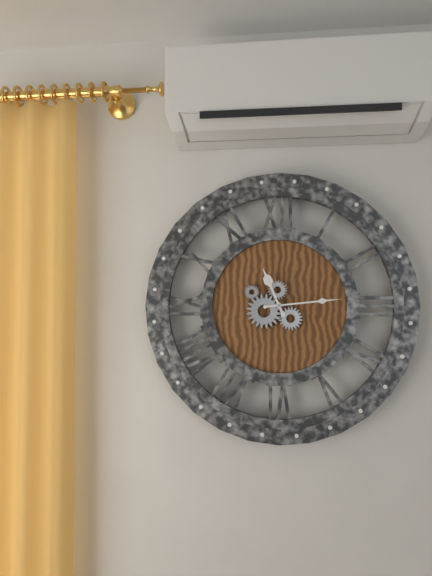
**11:14**
